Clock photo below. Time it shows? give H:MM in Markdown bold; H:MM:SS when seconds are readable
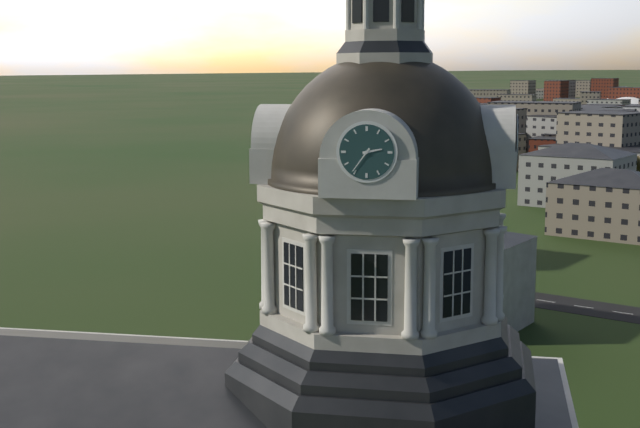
**2:36**
